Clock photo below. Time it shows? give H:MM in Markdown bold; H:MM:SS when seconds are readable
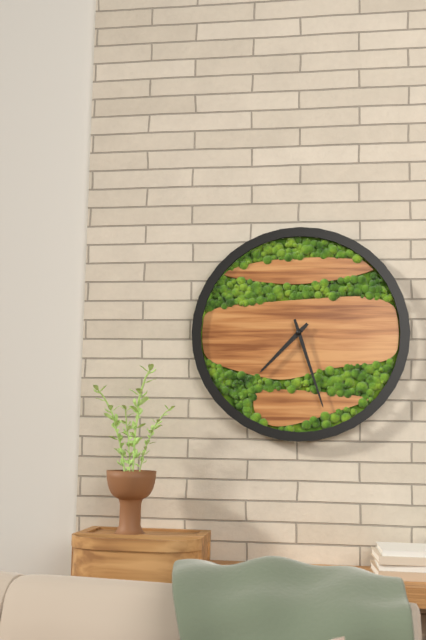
**7:27**
